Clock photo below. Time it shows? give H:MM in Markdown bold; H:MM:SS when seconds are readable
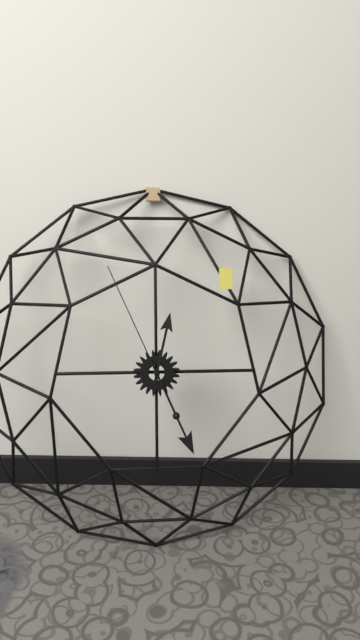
**12:26:56**
